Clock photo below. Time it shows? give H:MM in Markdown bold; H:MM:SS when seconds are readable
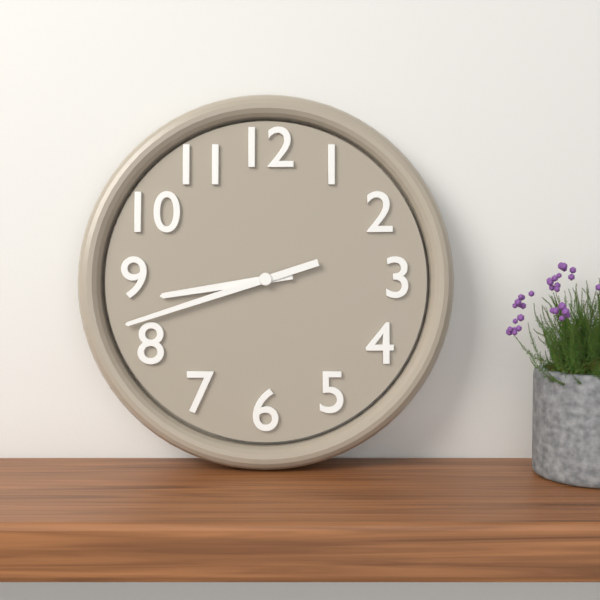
**8:42**
